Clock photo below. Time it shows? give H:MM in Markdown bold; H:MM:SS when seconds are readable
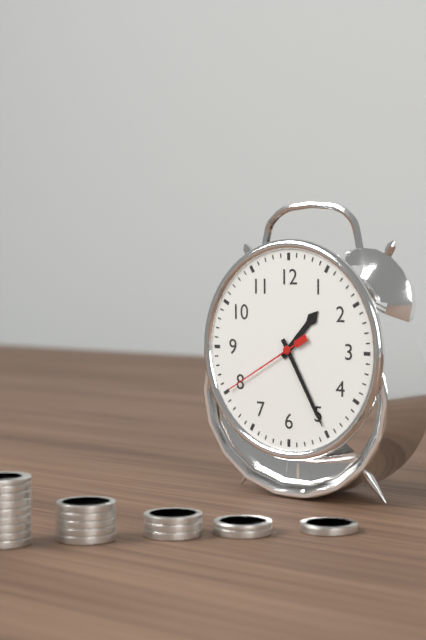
**1:25:40**
